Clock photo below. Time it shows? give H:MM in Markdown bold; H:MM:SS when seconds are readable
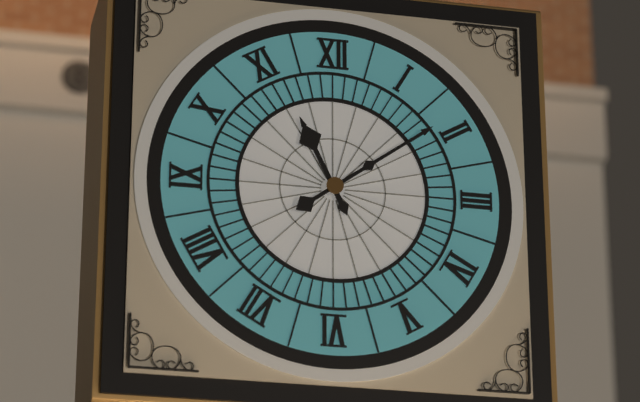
**11:09**
